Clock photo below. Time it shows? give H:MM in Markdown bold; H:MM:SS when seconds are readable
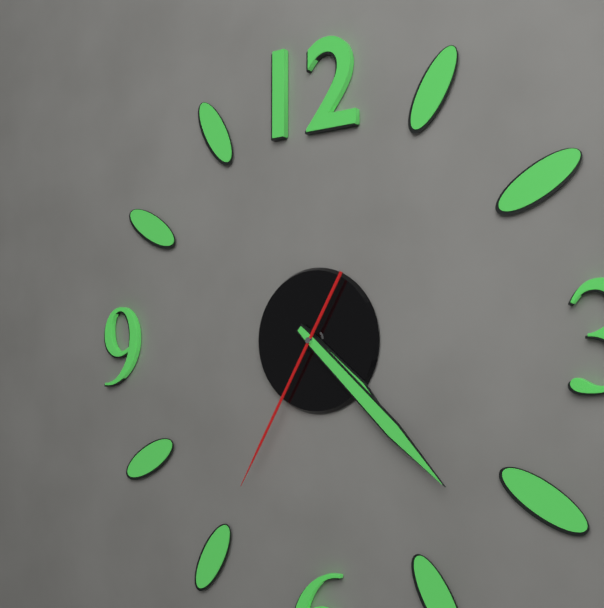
**4:22:35**
